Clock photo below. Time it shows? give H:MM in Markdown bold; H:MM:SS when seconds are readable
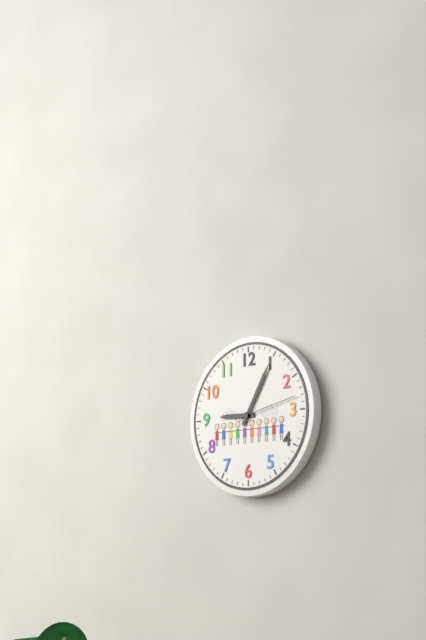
**9:05:13**
